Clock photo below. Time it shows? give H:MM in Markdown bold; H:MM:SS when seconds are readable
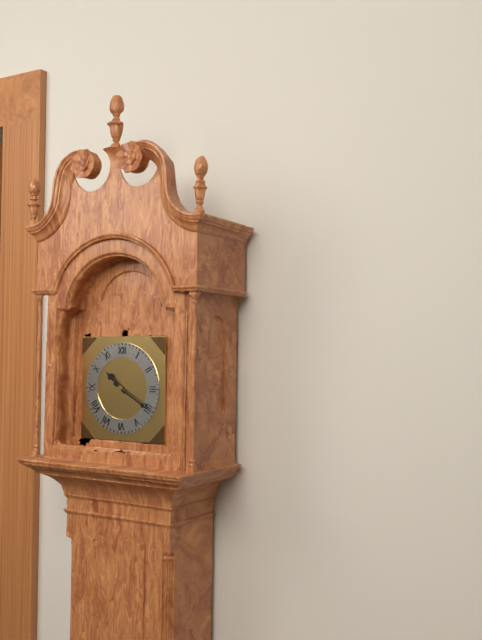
**10:20**
